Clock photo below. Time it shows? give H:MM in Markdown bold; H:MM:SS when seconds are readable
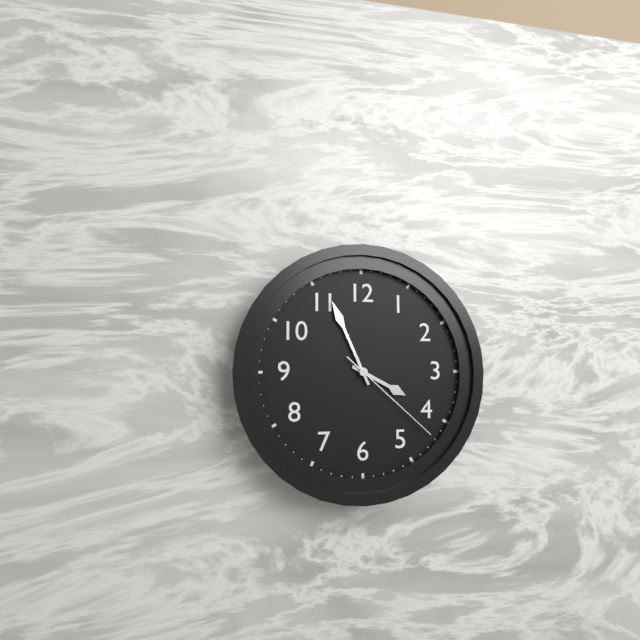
**3:56:22**
